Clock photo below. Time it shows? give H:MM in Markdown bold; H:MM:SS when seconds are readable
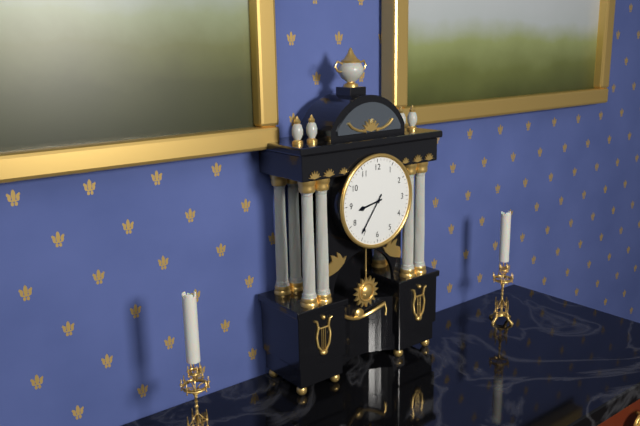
**8:36**
